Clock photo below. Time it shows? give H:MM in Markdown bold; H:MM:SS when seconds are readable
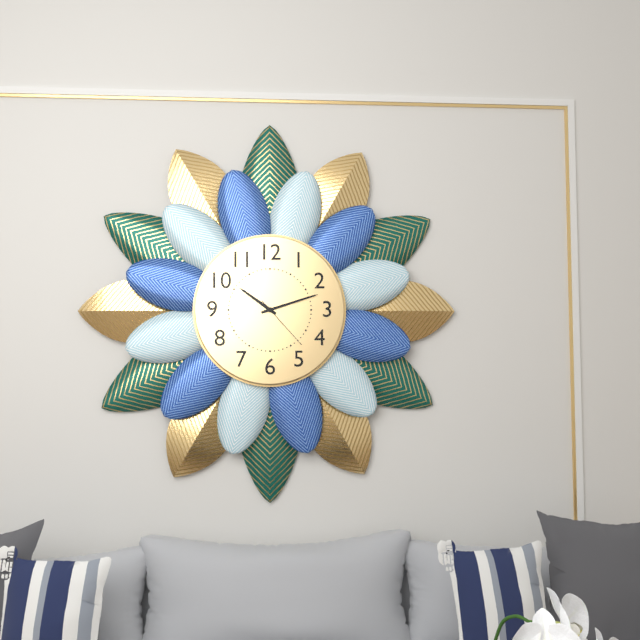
**10:12:23**
